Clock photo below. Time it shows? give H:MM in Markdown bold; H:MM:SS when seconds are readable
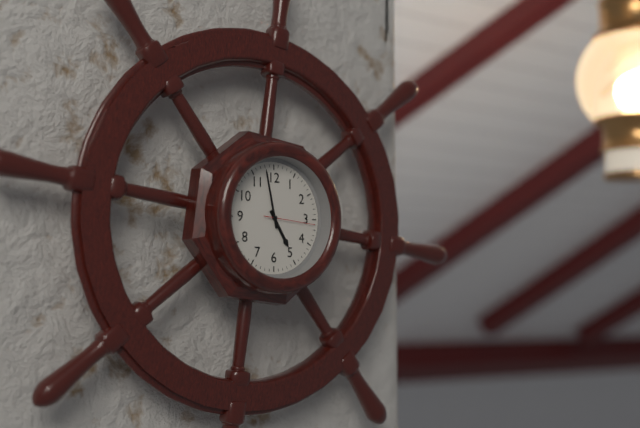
**4:58:16**
